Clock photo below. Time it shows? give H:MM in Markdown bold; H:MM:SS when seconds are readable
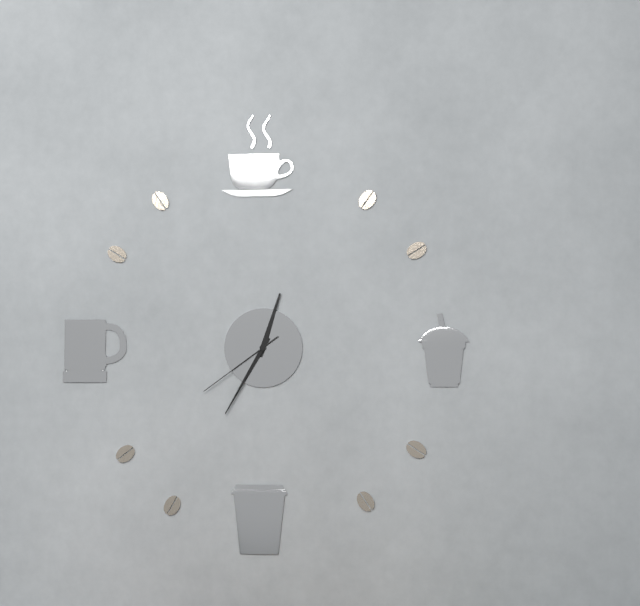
**12:35:39**
